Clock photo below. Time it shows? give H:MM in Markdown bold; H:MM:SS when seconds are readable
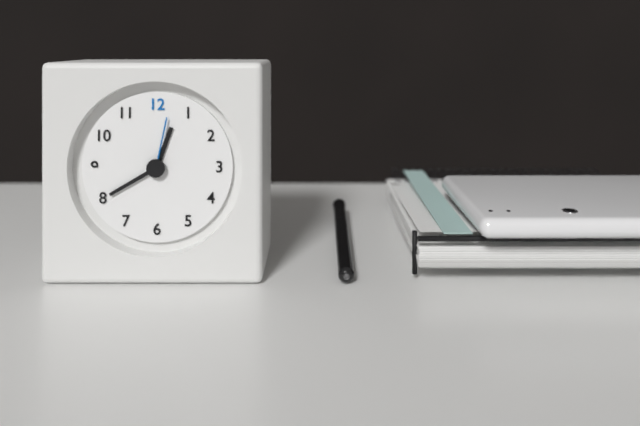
**12:40:02**
